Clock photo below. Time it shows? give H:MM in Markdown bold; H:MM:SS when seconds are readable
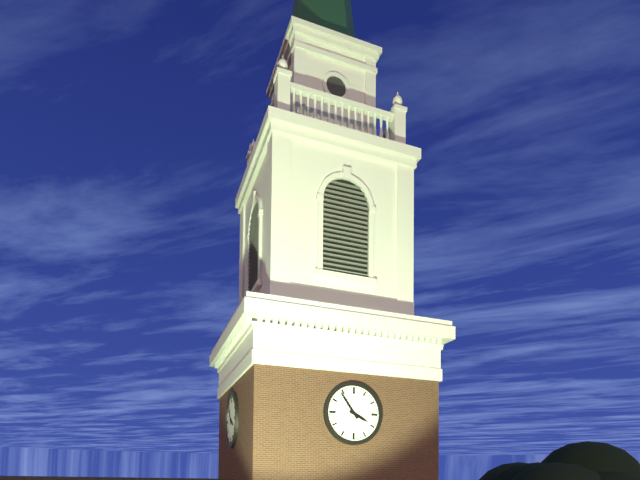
**3:54**
